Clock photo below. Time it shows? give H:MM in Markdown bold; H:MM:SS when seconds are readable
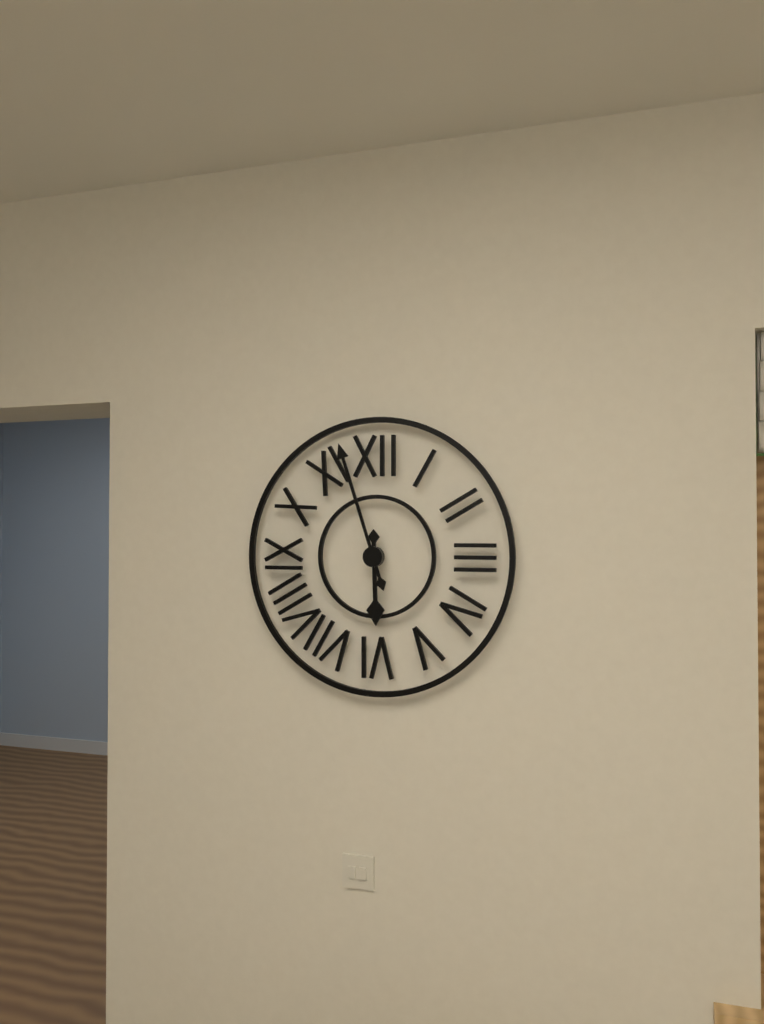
**5:57**
